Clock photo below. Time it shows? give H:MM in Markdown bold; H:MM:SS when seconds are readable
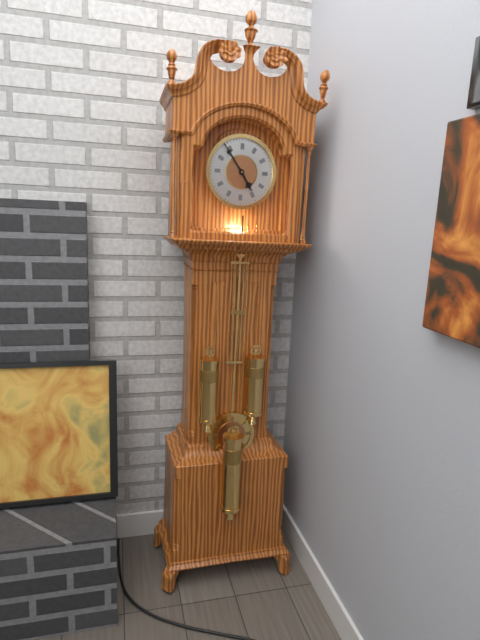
**4:54**
